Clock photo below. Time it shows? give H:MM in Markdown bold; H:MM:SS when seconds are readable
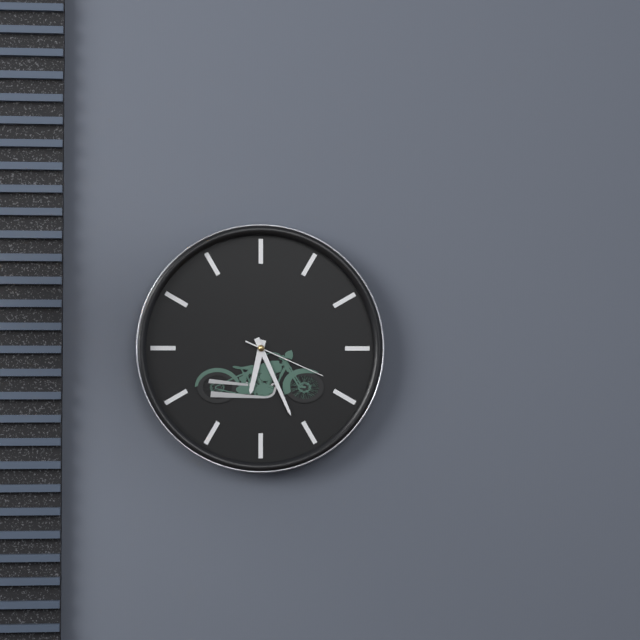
**6:26:19**
